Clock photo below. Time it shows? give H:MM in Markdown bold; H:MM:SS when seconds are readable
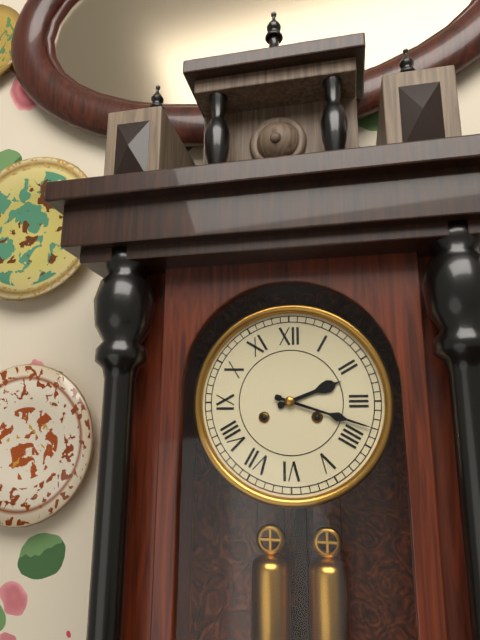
**2:18**
